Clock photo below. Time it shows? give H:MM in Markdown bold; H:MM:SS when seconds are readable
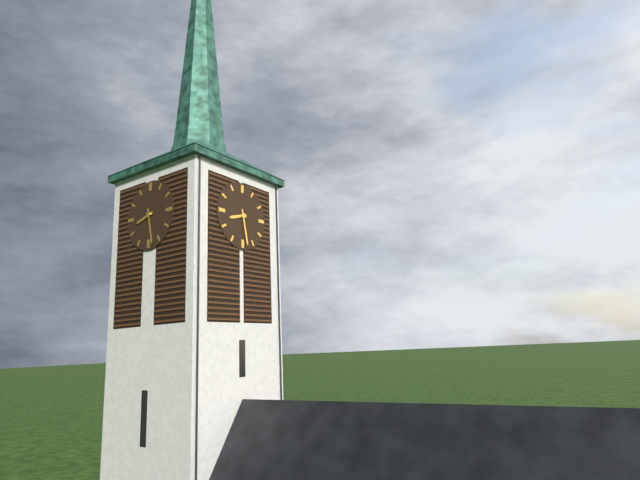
**8:28**
